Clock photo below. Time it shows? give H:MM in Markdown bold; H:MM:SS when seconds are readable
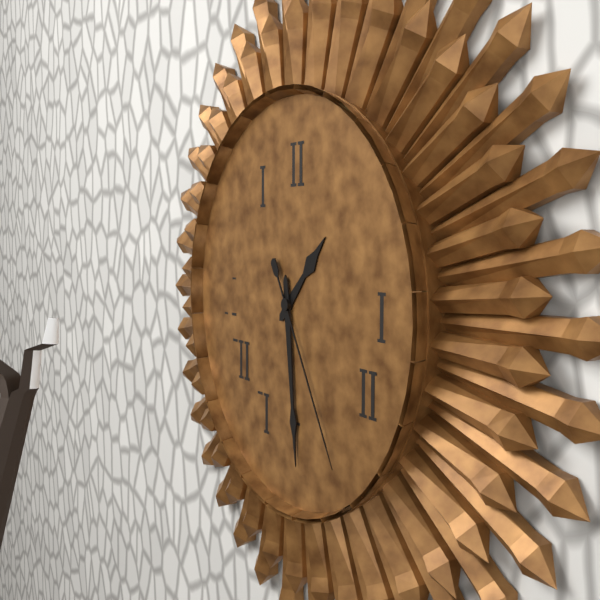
**1:29:25**
